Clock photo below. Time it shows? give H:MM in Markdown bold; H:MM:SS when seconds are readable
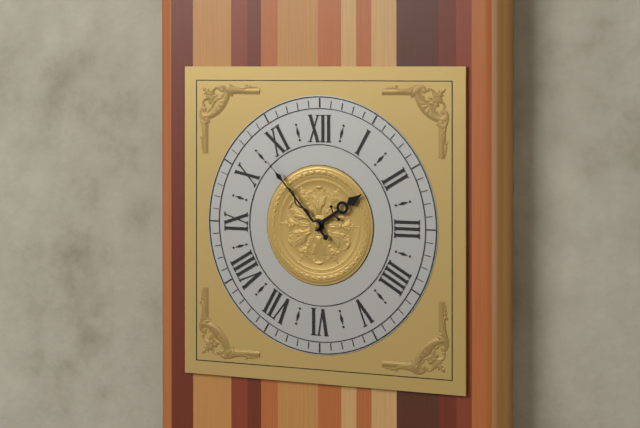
**1:53**
